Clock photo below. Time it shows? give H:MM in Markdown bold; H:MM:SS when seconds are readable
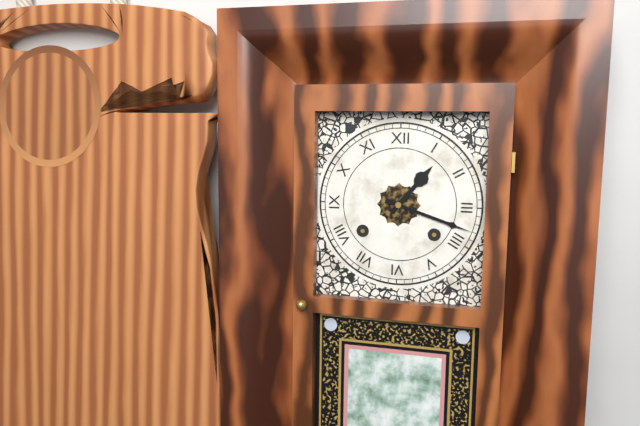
**1:18**
